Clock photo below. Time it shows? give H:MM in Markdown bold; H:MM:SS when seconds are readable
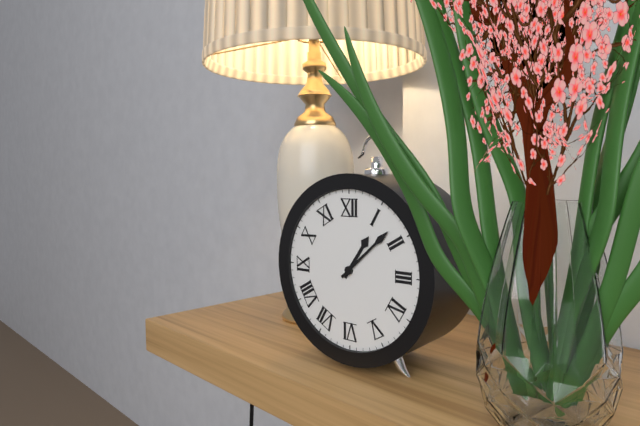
**1:08**
